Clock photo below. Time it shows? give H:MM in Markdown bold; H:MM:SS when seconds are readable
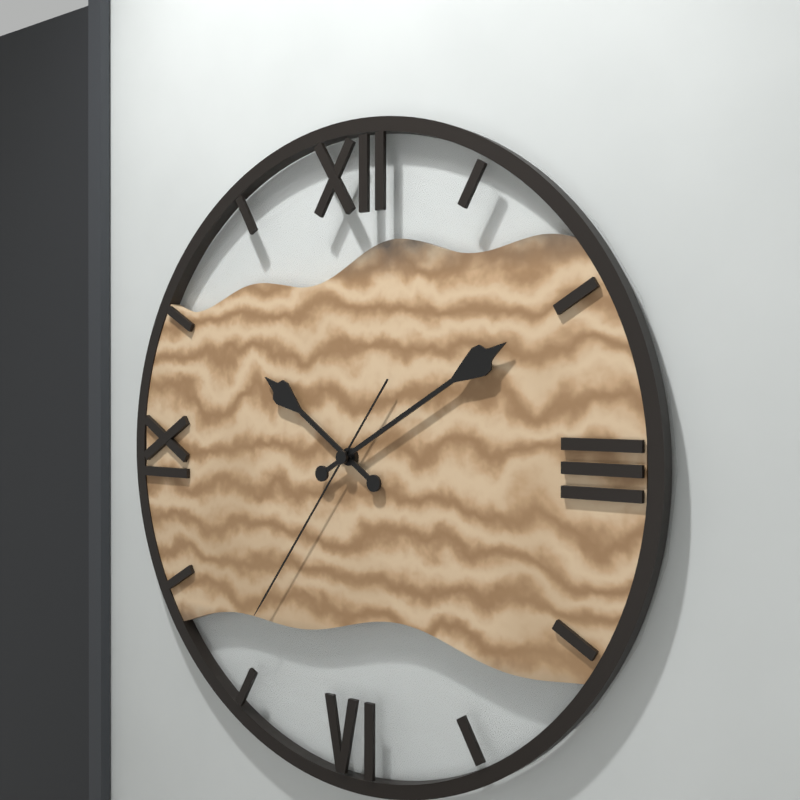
**10:10:36**
